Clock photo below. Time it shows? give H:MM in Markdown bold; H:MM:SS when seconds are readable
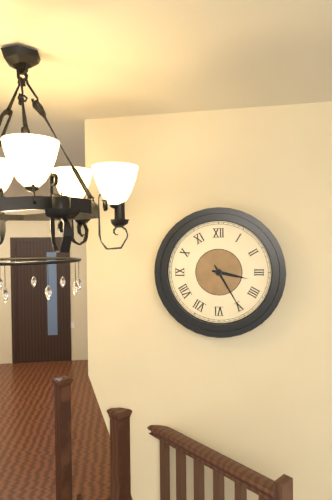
**3:25**
